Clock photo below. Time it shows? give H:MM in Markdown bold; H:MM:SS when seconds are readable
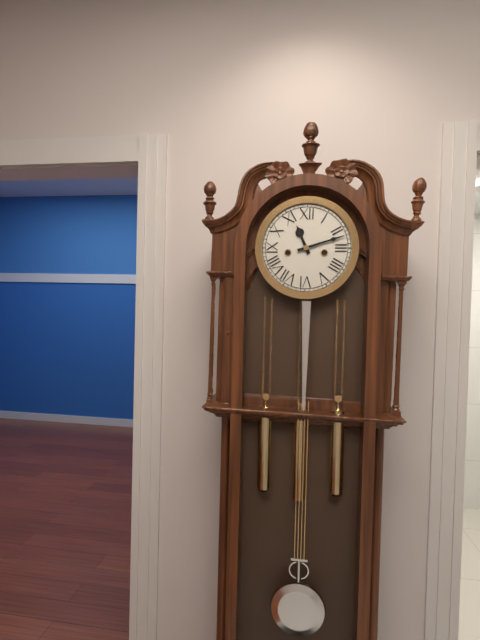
**11:12**
